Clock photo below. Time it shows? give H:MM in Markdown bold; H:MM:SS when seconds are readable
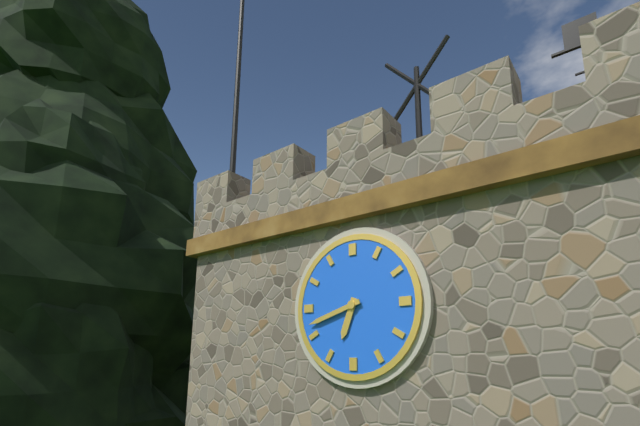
**6:42**
